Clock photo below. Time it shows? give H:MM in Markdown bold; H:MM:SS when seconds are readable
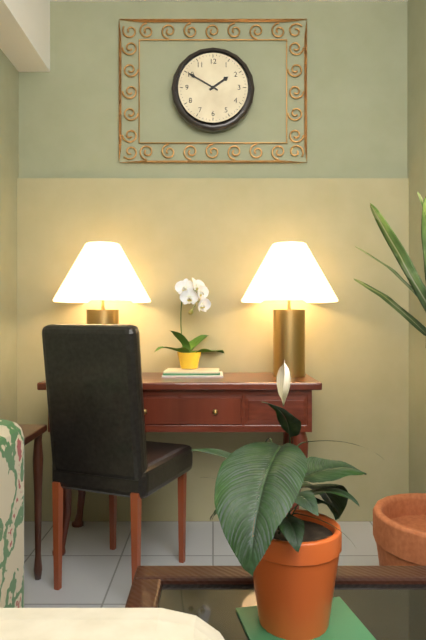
**1:50**
